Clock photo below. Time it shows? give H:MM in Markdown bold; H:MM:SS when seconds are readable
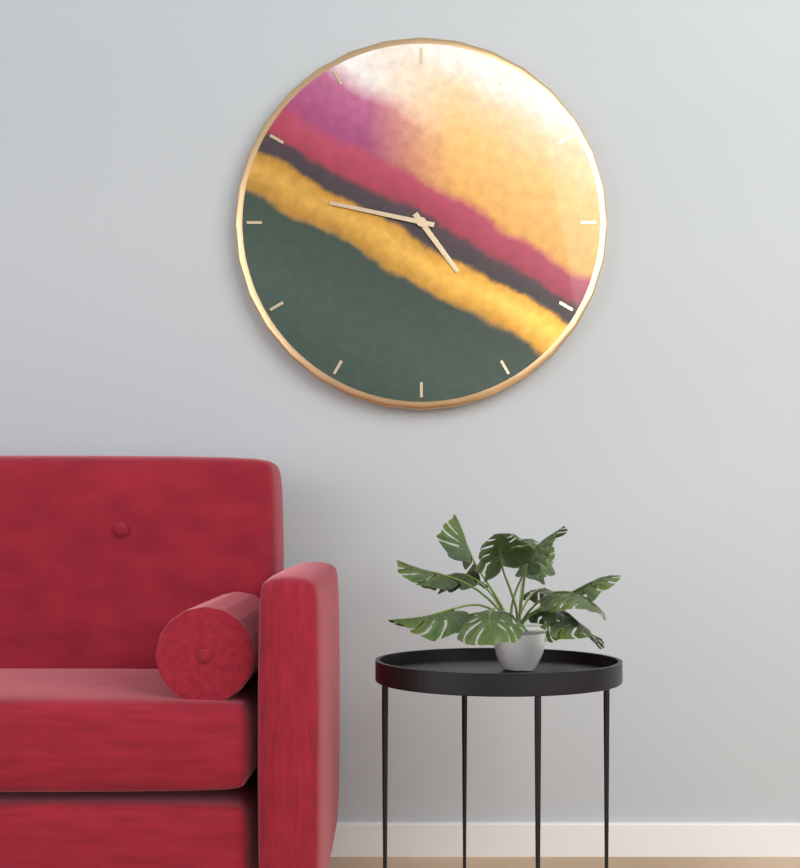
**4:47**
